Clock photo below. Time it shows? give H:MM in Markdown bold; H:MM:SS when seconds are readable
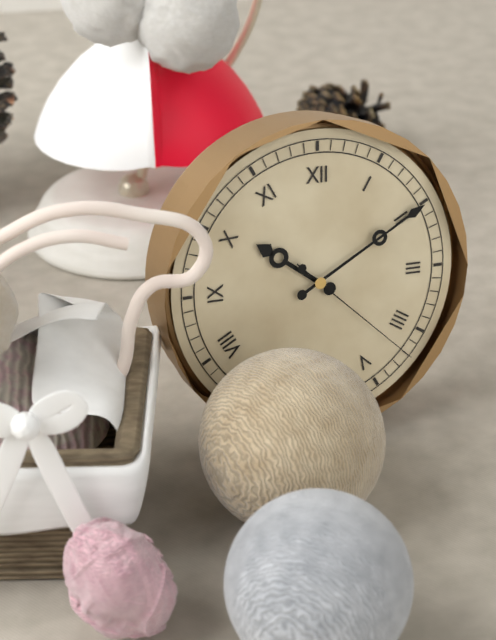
**10:10:22**
